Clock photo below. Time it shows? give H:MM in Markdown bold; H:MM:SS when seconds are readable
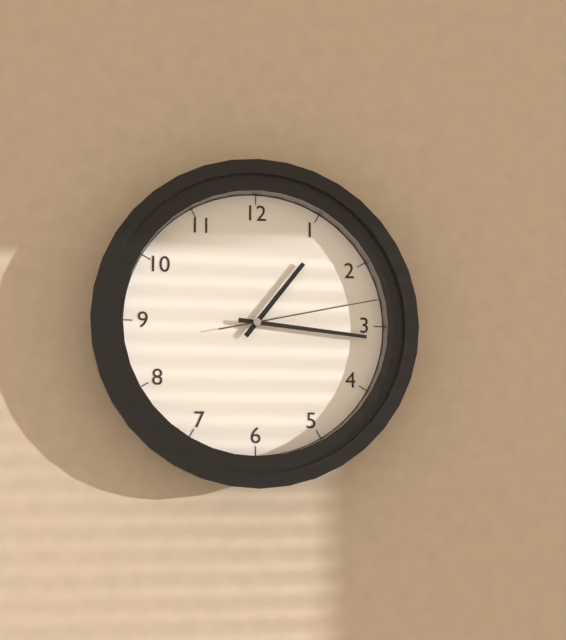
**1:16:13**
